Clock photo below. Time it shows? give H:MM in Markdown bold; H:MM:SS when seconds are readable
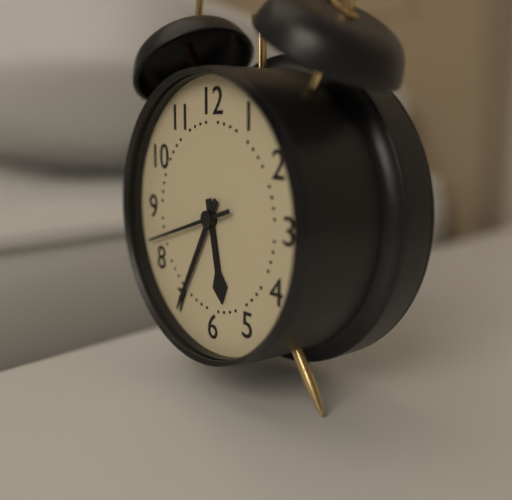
**5:35:42**
